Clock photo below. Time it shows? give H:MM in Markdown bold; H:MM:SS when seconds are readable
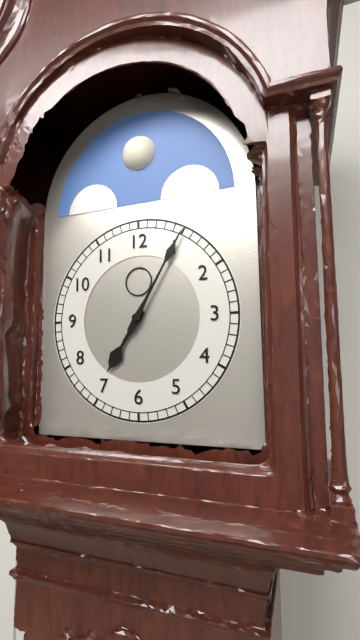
**7:05**
